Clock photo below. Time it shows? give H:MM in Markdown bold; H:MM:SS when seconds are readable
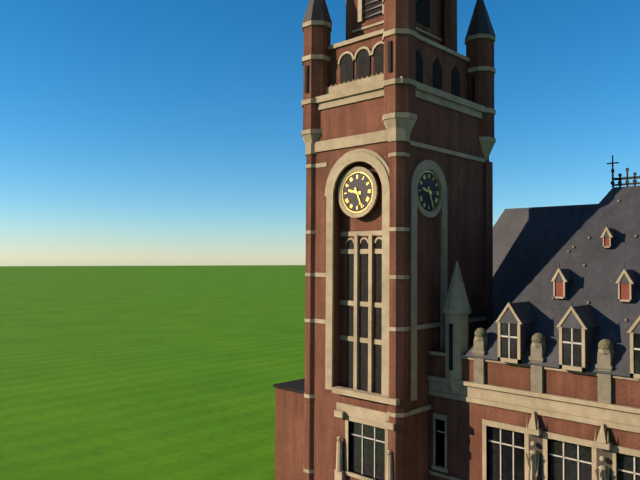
**9:26**
